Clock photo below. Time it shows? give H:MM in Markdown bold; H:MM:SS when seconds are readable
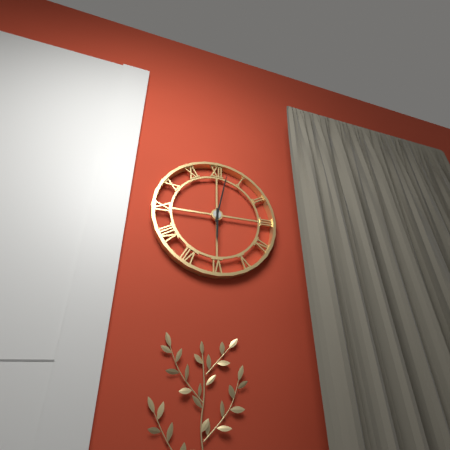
**6:02**
